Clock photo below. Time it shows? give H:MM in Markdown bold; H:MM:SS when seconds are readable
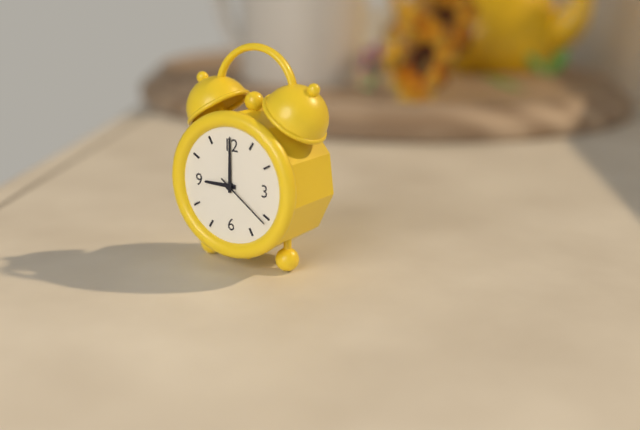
**9:00:21**
